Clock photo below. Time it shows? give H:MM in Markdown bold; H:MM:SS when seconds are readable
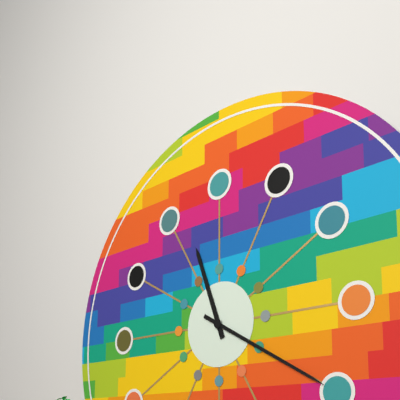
**11:20**
